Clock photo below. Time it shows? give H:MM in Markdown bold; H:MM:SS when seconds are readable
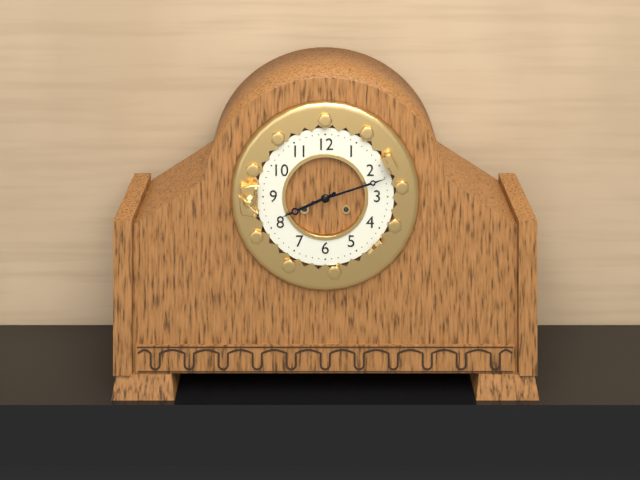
**8:12**
